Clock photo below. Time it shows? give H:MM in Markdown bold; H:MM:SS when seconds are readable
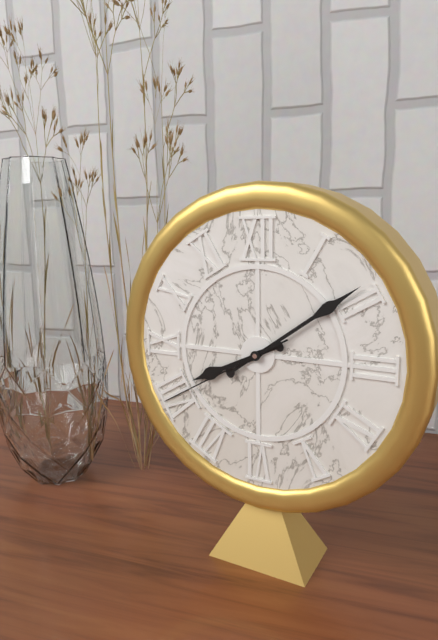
**8:09:40**
